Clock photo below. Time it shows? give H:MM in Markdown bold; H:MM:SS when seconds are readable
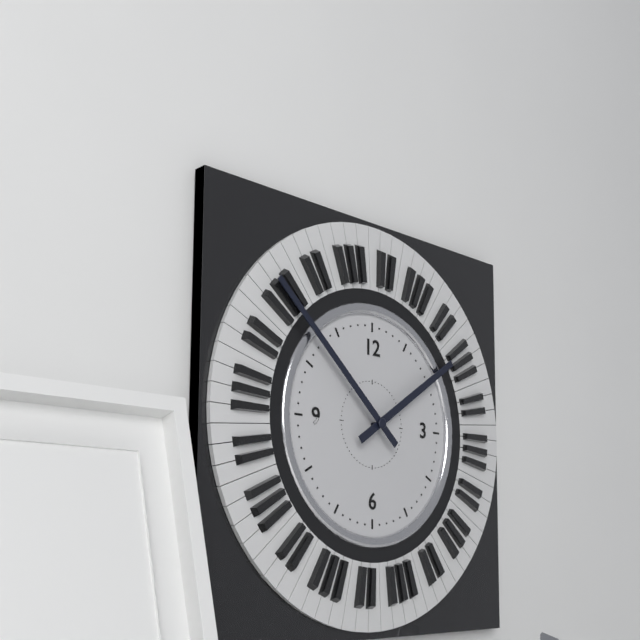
**1:52**
